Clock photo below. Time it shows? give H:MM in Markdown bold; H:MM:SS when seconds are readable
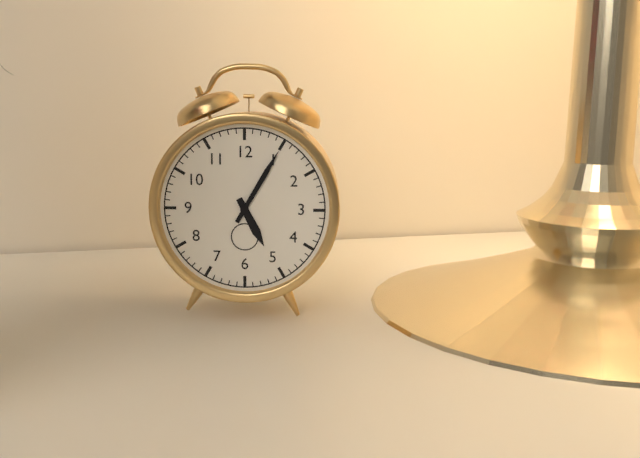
**5:05**
